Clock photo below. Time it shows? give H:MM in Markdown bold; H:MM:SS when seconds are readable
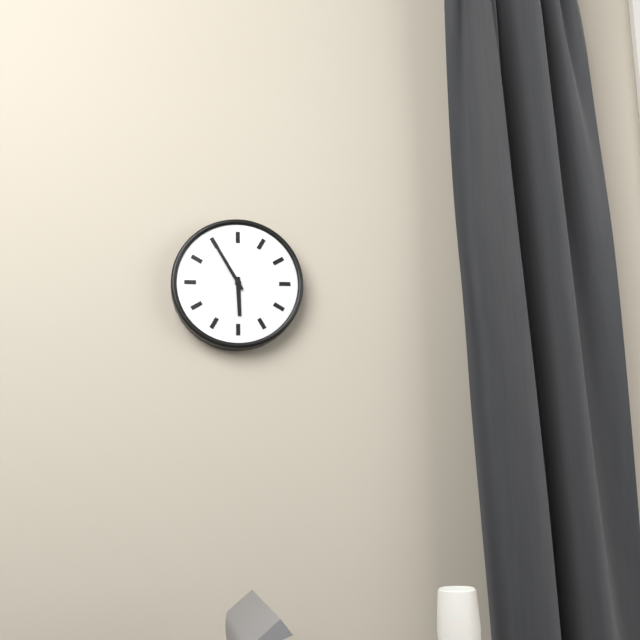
**5:55**
